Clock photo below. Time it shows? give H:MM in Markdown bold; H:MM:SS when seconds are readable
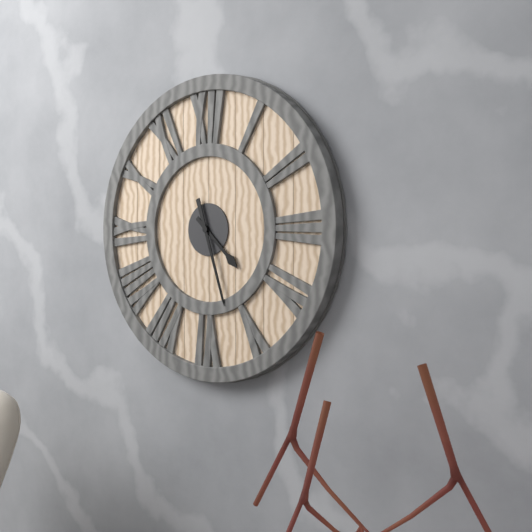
**4:27**
